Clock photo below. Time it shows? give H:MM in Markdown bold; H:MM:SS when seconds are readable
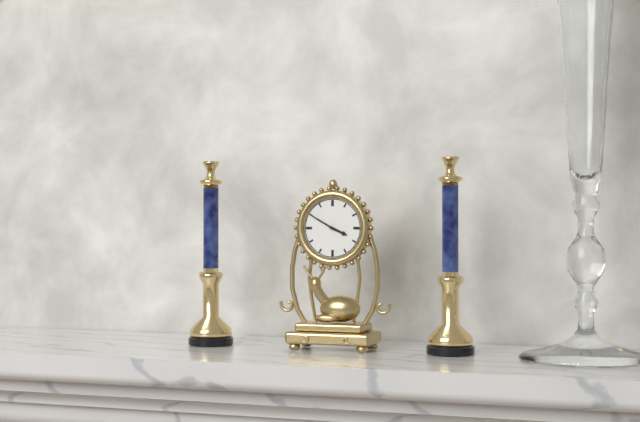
**3:50**
